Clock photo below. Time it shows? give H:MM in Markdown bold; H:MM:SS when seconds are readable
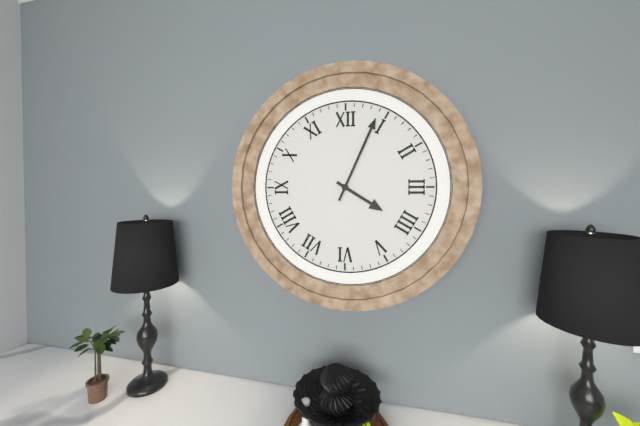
**4:04**
